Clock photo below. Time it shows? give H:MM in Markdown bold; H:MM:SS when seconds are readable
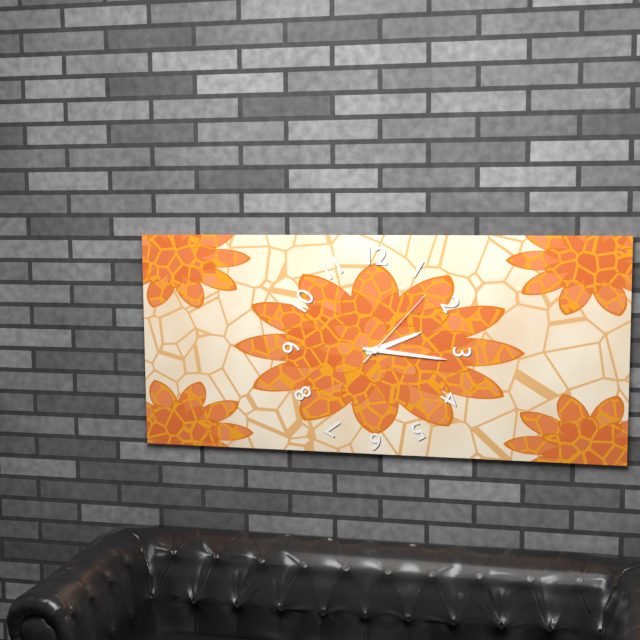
**2:16:07**
